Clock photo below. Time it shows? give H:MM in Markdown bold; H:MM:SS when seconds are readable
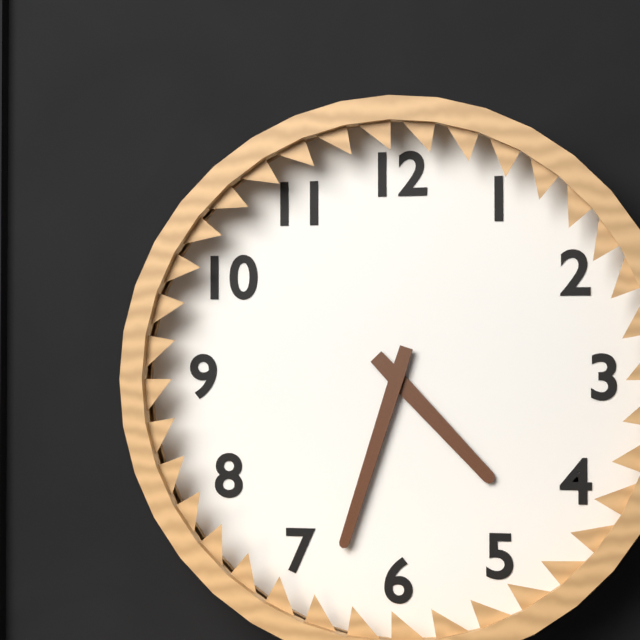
**4:33**
